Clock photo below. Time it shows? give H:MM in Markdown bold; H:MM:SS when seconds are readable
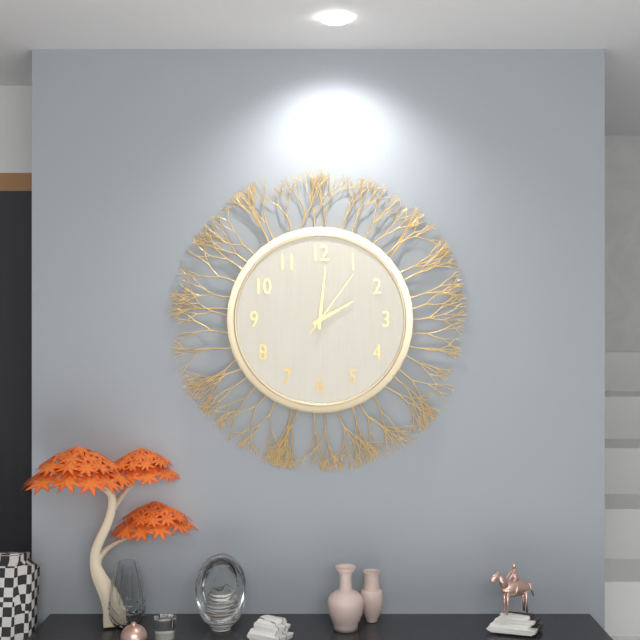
**2:01:06**
